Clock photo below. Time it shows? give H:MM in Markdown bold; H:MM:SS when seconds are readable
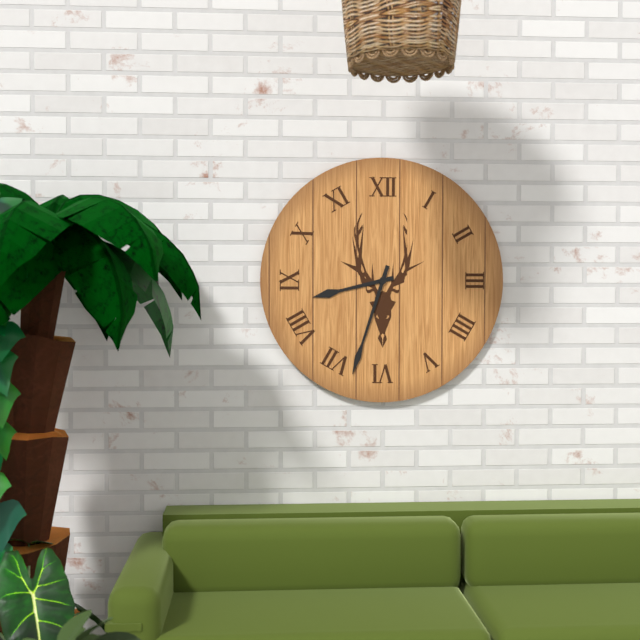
**8:33**
